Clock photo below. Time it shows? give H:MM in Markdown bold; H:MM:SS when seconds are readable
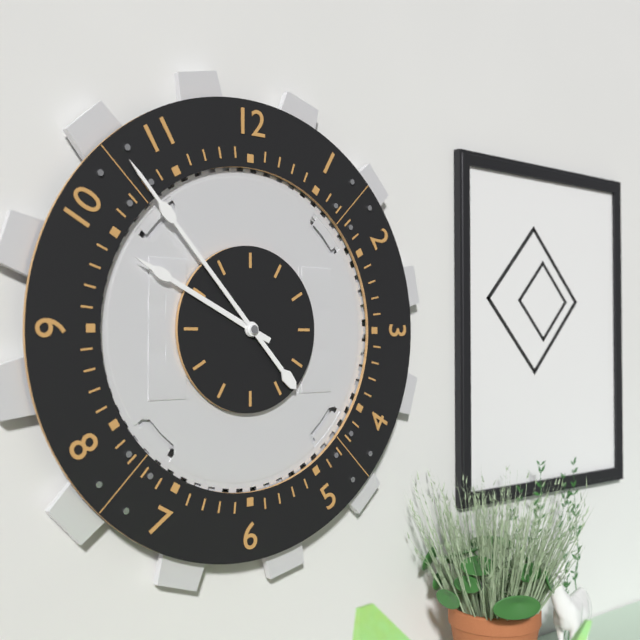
**9:53**
